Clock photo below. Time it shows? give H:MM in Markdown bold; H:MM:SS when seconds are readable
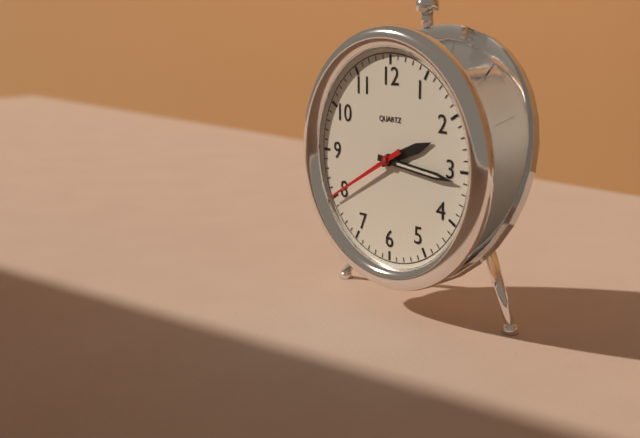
**2:16:40**
